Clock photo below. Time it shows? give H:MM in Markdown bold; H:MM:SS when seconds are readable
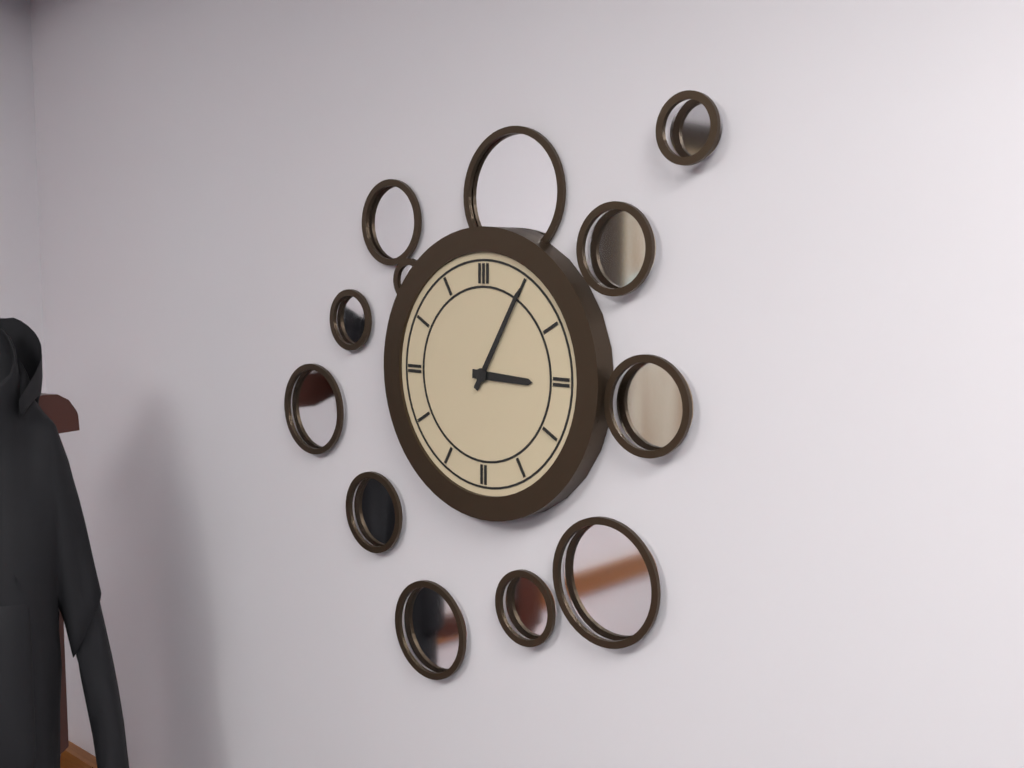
**3:05**
